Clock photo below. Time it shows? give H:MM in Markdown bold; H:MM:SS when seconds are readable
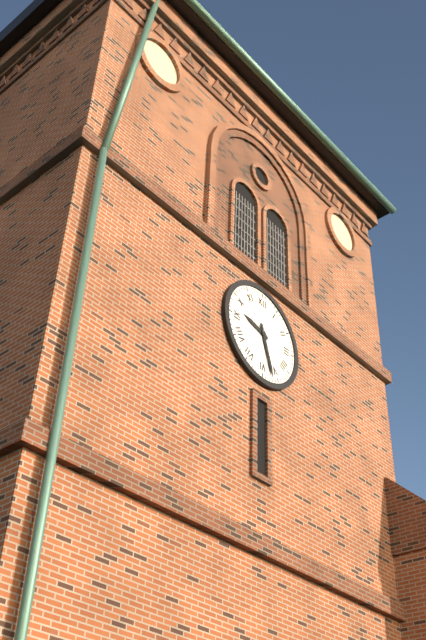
**9:27**
